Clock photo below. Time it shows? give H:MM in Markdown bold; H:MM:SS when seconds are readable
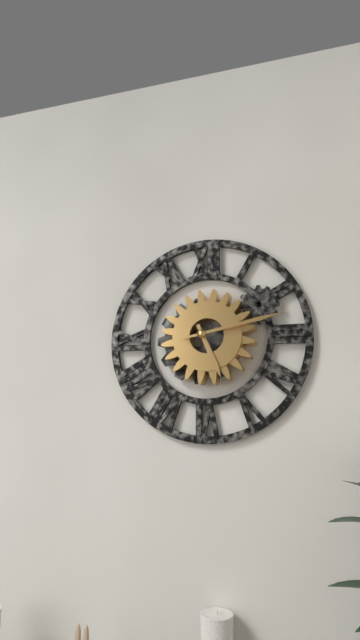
**5:13**
